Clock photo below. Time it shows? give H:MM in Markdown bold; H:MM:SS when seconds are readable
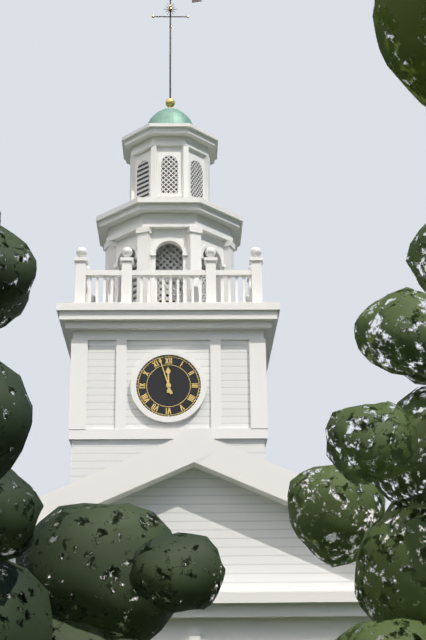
**11:57**
